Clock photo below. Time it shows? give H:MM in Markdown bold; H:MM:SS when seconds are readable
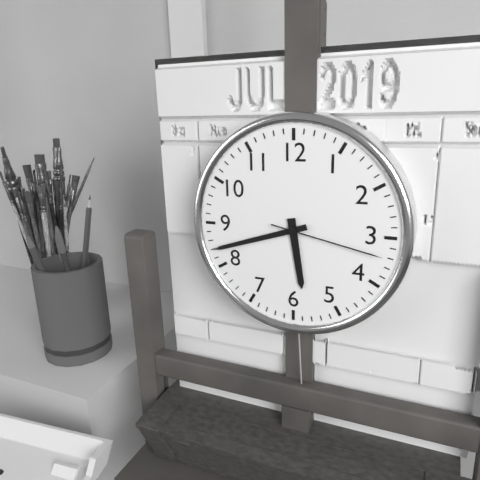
**5:42:17**
